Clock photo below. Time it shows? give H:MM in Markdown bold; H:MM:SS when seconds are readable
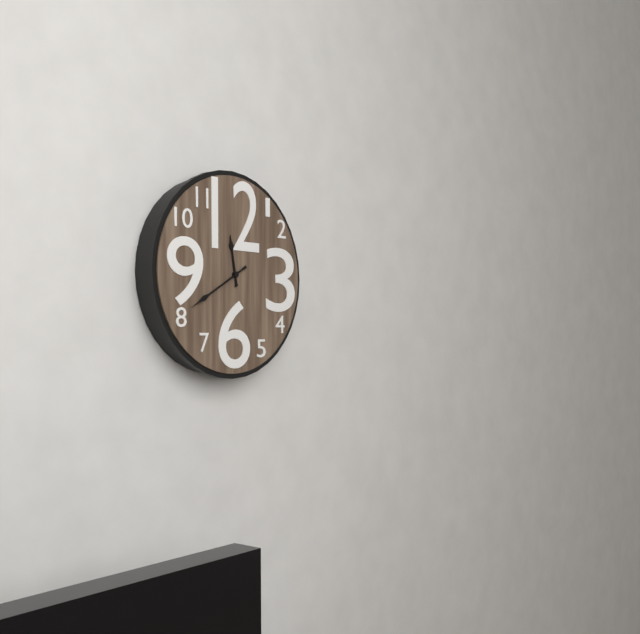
**11:40**
